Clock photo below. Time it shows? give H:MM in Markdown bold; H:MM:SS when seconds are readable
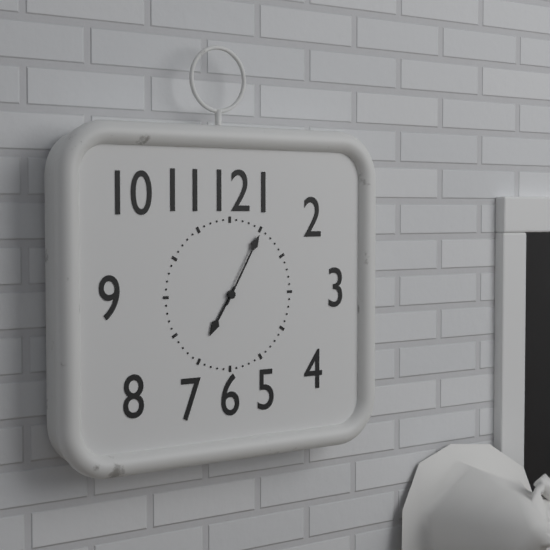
**7:05**
